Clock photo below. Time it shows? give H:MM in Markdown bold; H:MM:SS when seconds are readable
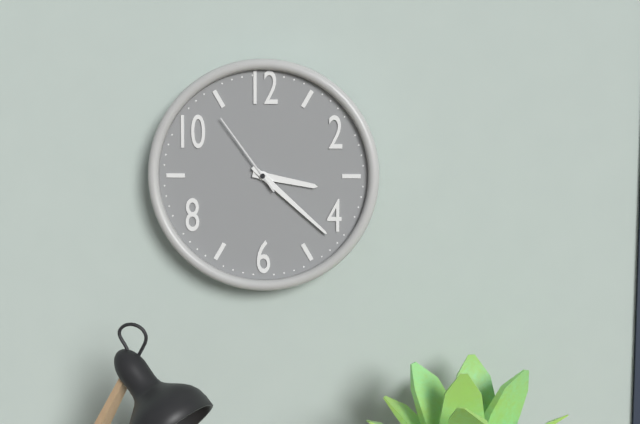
**3:22:54**
